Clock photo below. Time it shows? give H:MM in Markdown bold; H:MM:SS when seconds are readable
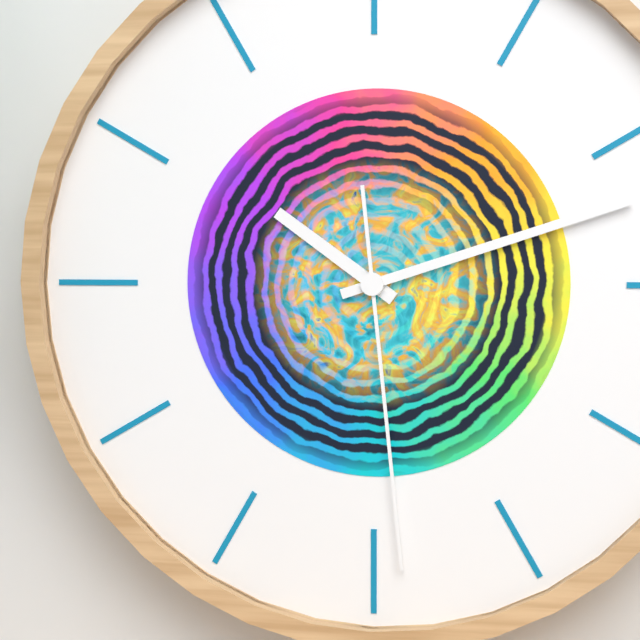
**10:12:29**
